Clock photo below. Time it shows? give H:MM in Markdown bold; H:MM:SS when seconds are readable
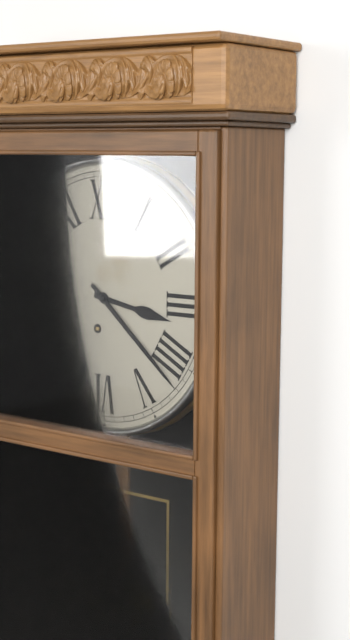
**3:22**
